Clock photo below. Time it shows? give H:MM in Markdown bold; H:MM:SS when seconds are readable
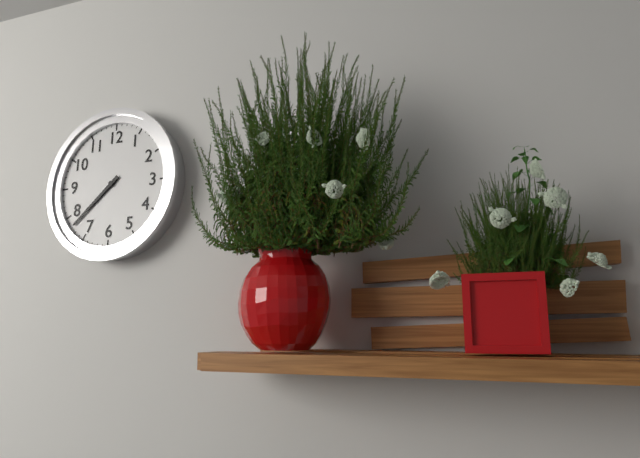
**7:38**
